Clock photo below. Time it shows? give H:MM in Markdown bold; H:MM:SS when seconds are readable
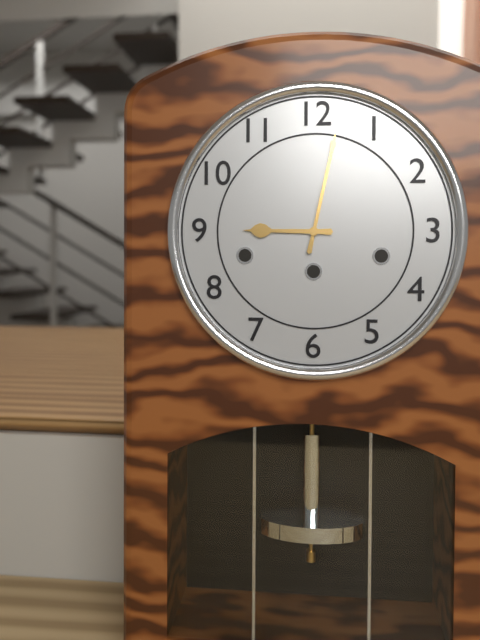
**9:02**
